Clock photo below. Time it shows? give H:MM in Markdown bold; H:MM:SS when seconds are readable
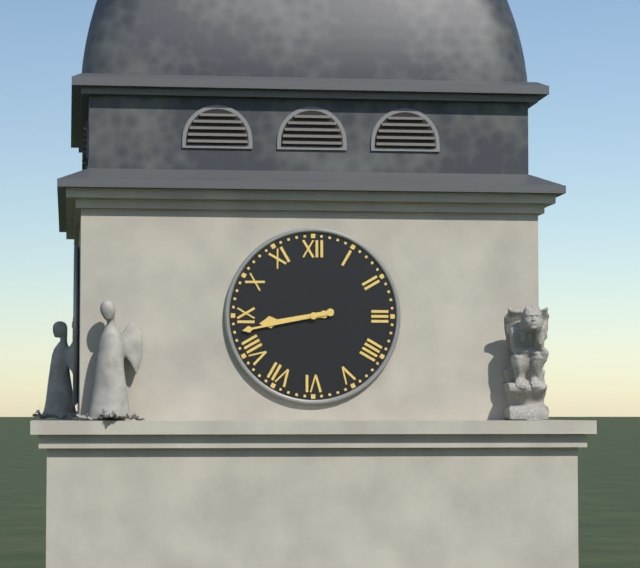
**8:43**
